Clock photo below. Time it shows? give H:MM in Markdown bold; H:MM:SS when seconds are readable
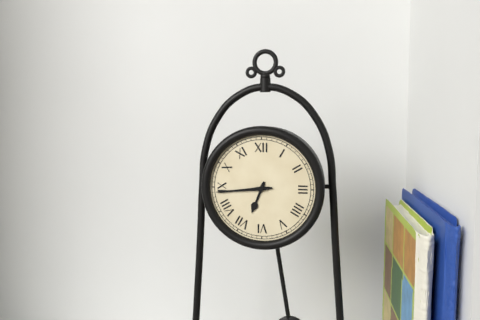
**6:44**
